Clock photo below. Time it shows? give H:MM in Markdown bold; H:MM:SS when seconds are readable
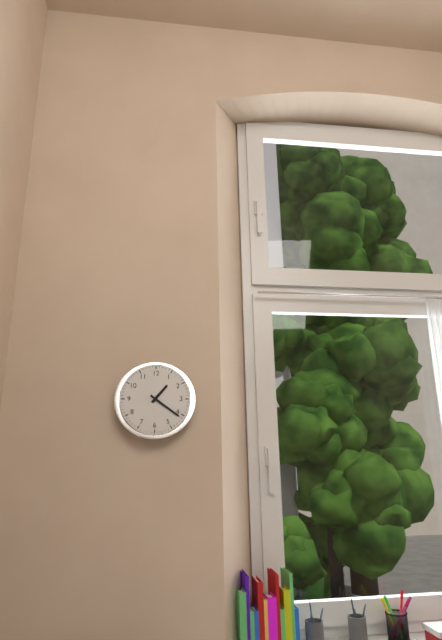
**1:21**
